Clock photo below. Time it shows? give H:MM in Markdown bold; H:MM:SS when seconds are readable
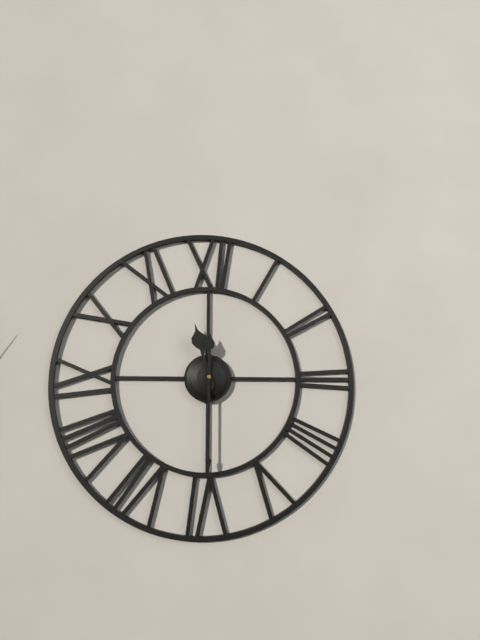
**11:30**
